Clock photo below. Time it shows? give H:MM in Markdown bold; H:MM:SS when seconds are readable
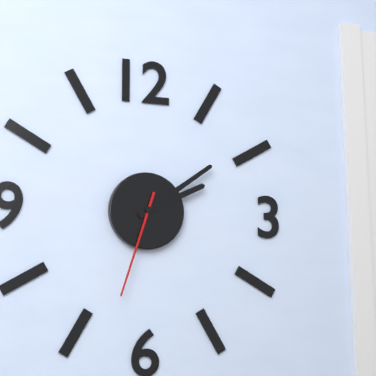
**2:09:33**
